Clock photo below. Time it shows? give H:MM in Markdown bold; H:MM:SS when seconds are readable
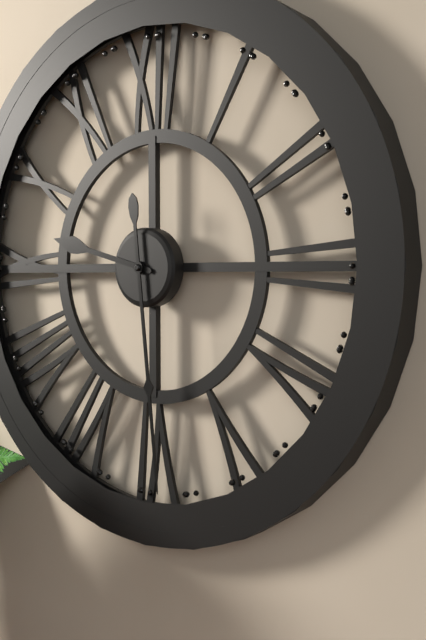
**9:29**
